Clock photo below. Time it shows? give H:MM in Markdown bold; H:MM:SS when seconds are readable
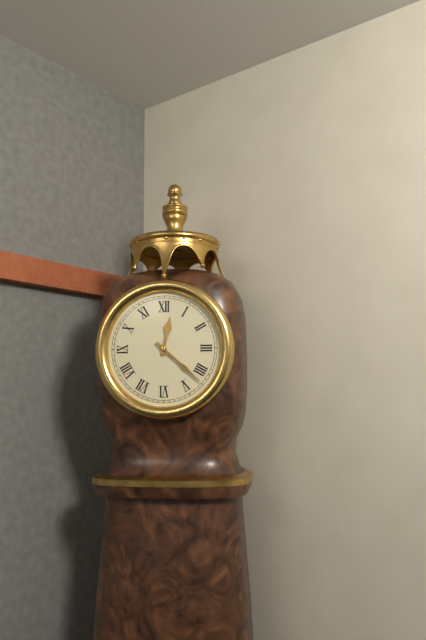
**12:22**
